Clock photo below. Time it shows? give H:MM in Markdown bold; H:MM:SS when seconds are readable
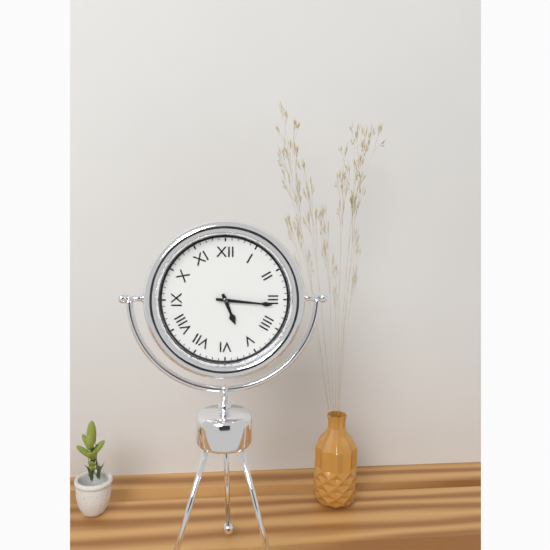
**5:16**
